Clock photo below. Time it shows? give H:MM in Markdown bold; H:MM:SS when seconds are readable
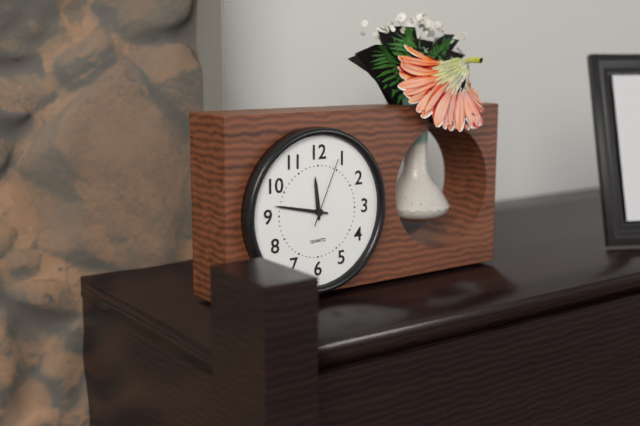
**11:47:04**
